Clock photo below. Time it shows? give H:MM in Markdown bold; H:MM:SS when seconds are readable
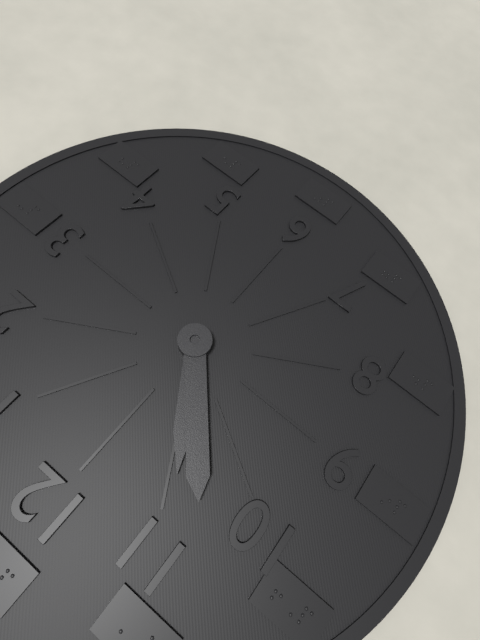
**10:53**
